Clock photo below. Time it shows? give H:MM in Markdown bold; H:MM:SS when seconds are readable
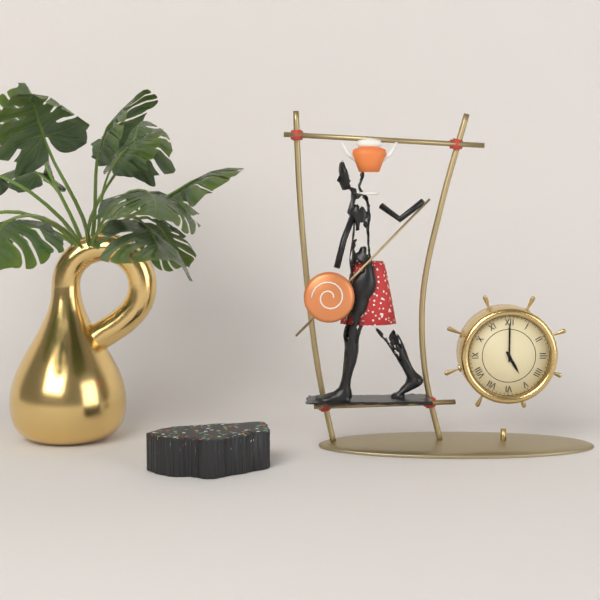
**5:00**
